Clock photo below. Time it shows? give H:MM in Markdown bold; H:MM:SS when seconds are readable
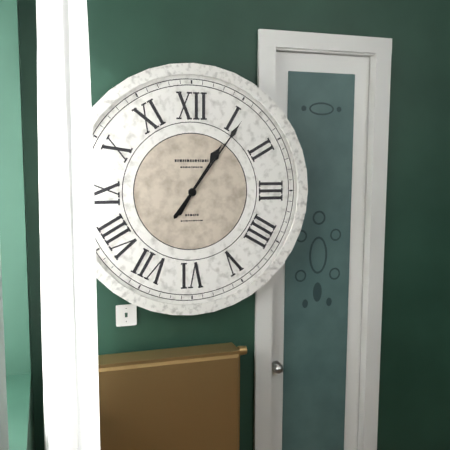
**1:06**
